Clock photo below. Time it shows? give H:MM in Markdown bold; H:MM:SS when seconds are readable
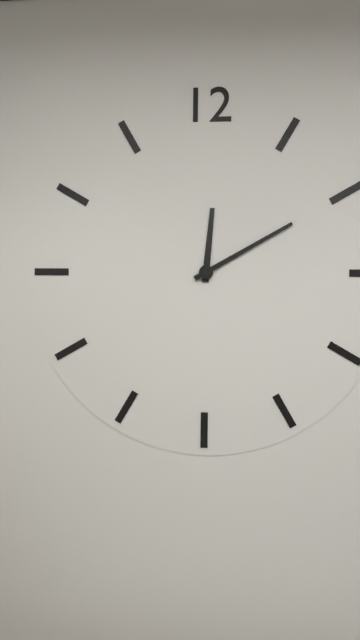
**12:10**
